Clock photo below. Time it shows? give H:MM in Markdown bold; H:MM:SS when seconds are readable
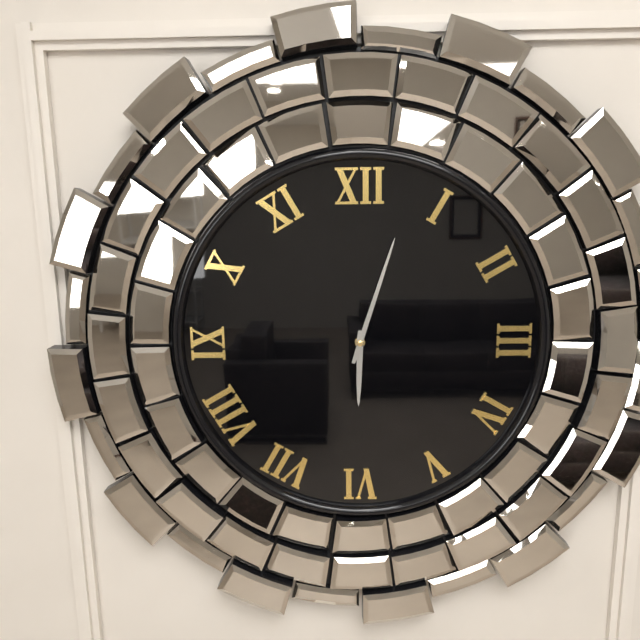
**6:03**
